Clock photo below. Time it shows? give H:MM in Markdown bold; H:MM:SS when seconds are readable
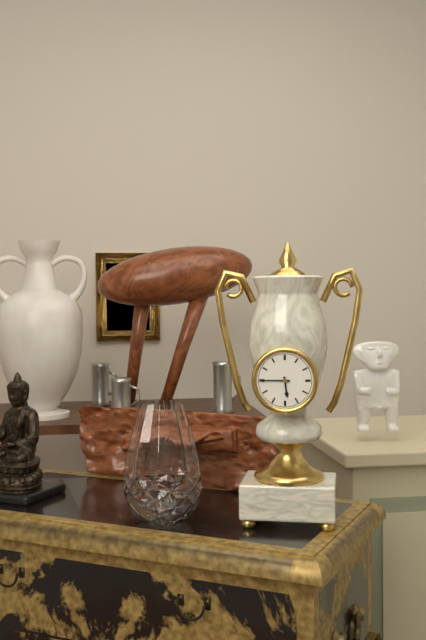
**5:45**
